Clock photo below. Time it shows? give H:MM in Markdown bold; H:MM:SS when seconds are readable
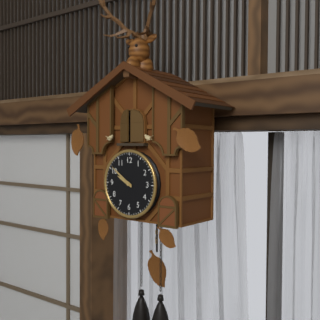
**9:51**
